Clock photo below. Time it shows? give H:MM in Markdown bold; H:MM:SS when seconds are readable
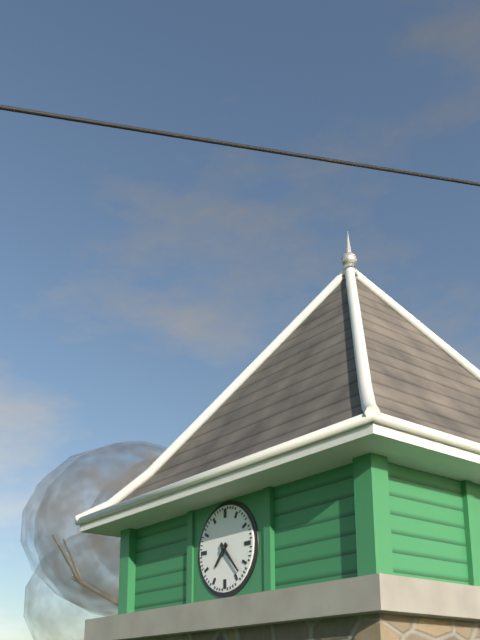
**7:23**
